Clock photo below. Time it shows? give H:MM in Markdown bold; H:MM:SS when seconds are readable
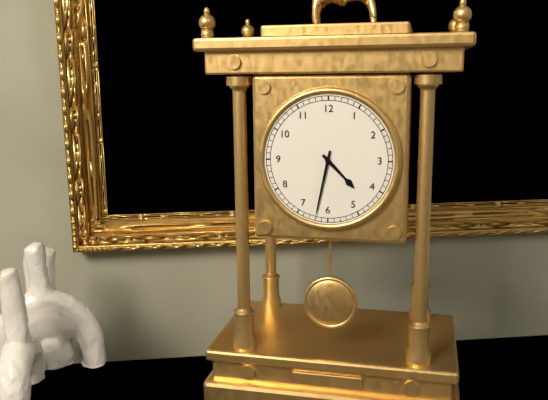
**4:32**
